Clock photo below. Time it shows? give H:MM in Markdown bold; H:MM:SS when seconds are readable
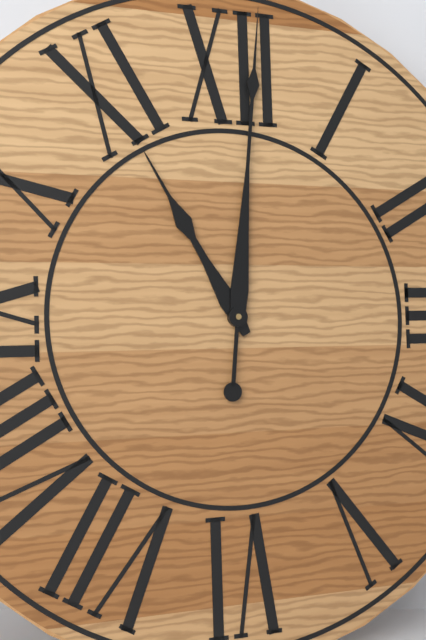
**11:01**
